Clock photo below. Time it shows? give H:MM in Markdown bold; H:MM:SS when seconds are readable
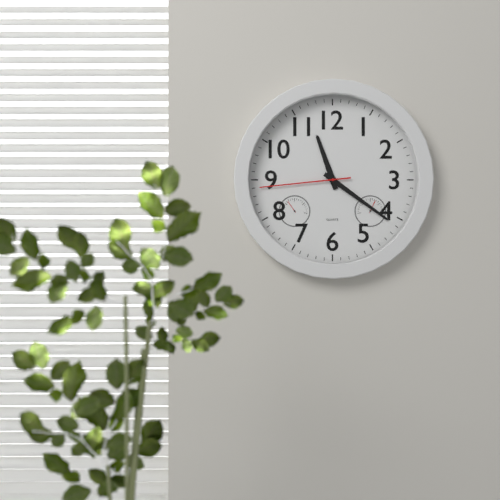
**11:21:44**
